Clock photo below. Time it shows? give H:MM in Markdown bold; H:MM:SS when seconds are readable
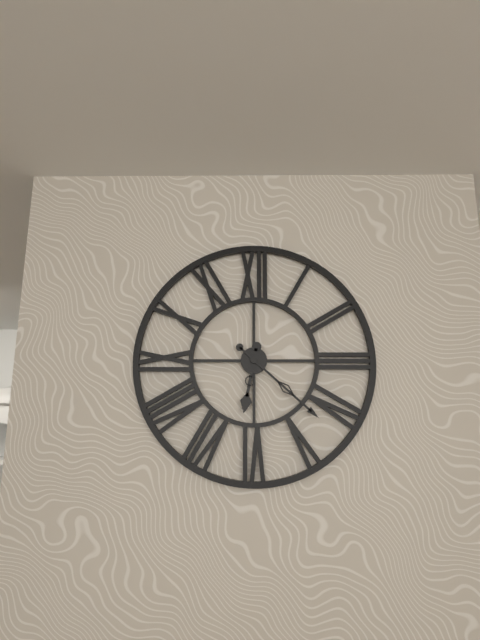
**6:22**
